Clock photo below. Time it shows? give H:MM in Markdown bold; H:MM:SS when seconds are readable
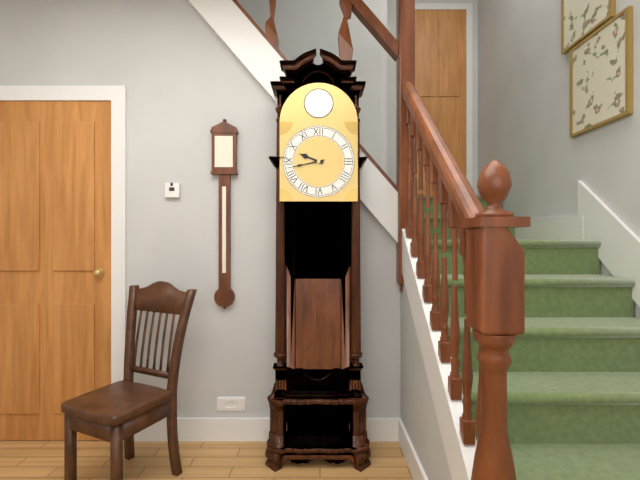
**9:43**
